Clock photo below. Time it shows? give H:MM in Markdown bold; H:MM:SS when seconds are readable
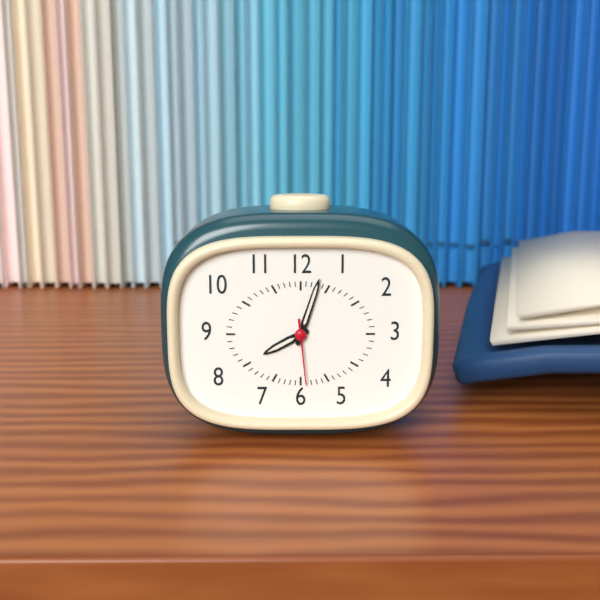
**8:03:29**
